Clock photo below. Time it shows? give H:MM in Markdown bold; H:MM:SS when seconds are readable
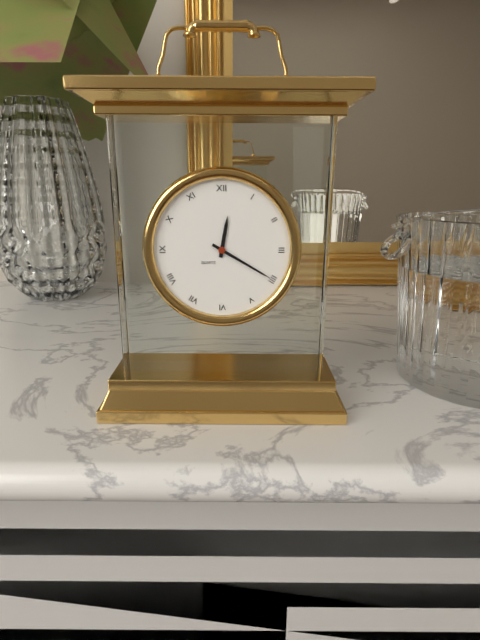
**12:20**
